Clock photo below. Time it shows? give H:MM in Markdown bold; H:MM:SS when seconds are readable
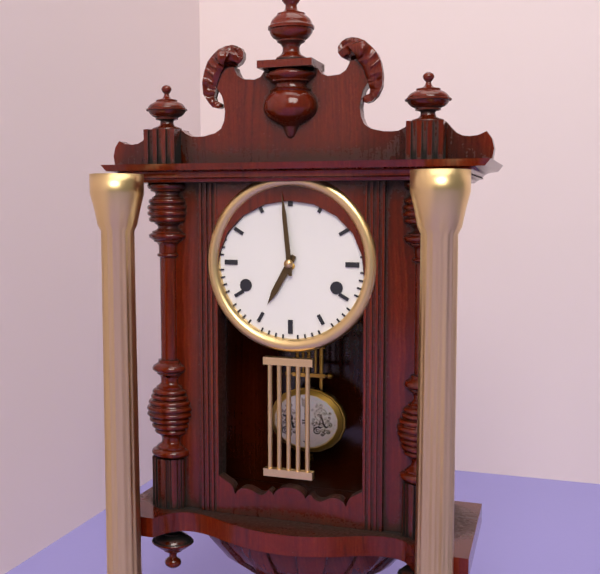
**6:59**
